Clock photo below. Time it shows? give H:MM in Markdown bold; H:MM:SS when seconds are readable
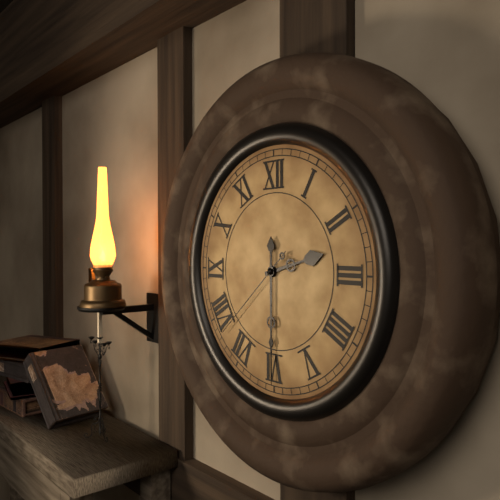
**2:30:38**
